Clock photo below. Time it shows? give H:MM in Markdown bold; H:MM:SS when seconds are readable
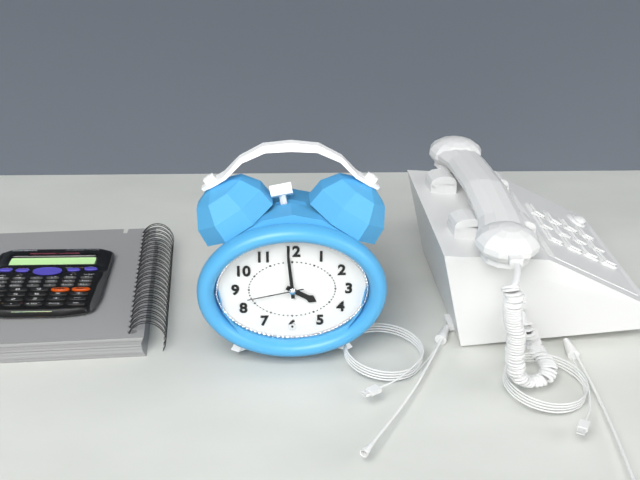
**3:59:43**
